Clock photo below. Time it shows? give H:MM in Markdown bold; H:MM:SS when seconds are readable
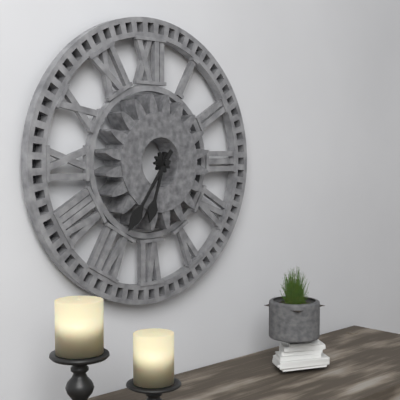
**6:36**
